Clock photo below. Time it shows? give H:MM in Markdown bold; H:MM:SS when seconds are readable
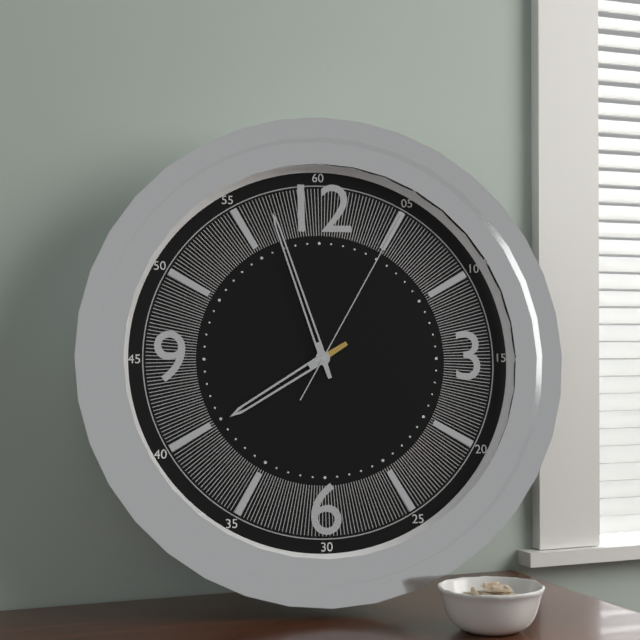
**7:57:05**
